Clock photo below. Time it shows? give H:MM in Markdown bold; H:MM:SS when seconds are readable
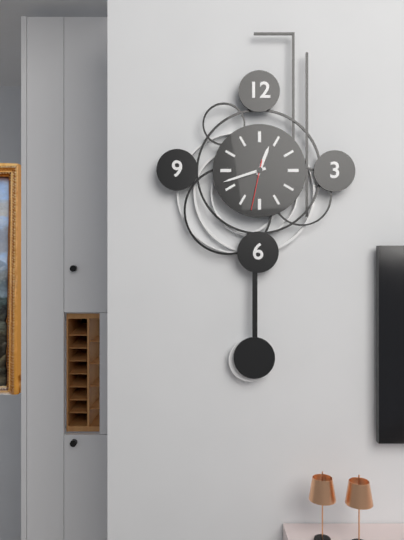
**12:42**
